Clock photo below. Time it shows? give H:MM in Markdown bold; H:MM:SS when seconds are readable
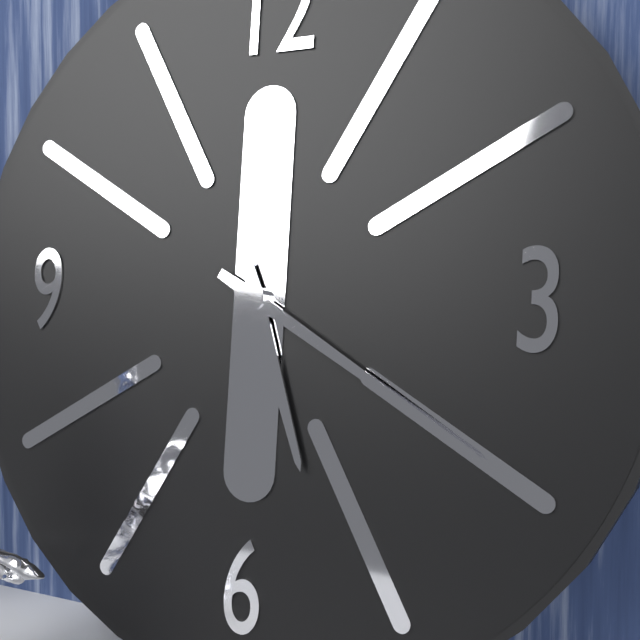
**5:20**
